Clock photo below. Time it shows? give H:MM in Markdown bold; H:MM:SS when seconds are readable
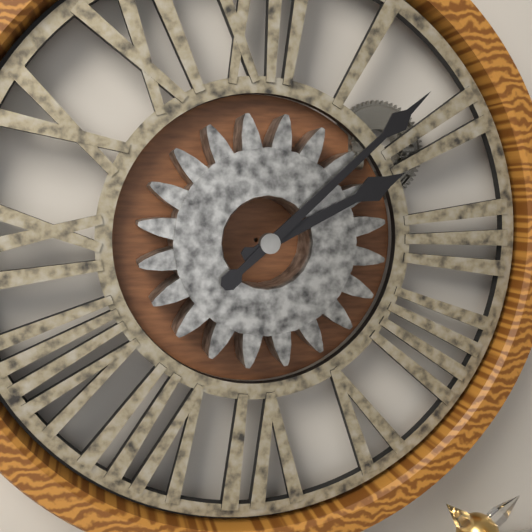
**2:08**
